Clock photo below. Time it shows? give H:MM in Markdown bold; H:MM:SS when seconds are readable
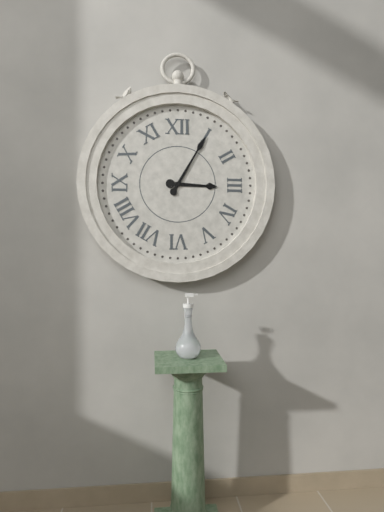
**3:05**
